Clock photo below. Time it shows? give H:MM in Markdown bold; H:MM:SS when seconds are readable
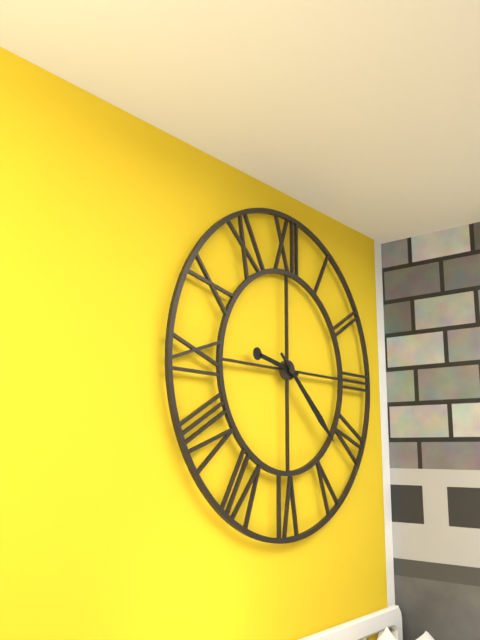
**9:22**
